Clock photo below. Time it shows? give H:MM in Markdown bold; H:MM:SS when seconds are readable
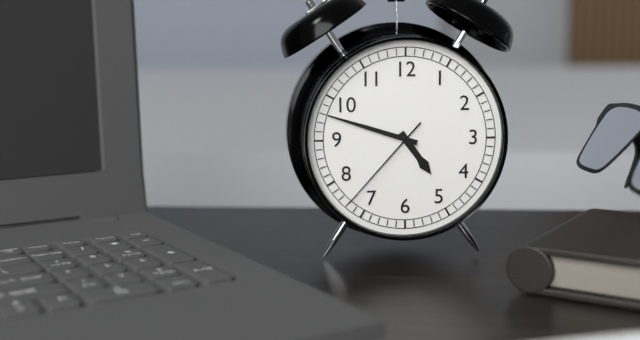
**4:48:37**
